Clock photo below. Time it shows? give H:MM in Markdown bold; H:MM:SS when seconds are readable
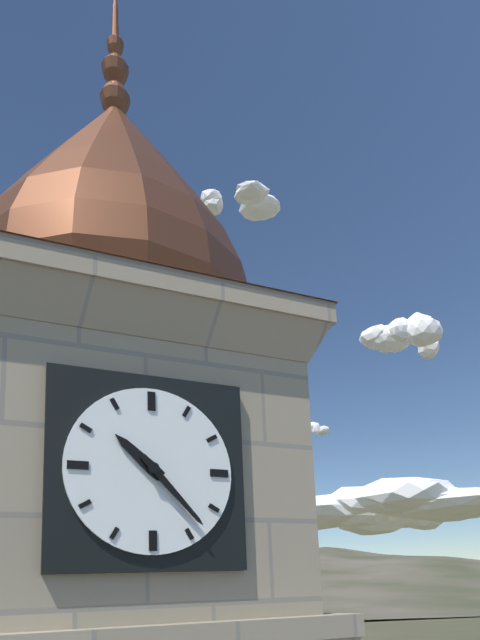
**10:23**
